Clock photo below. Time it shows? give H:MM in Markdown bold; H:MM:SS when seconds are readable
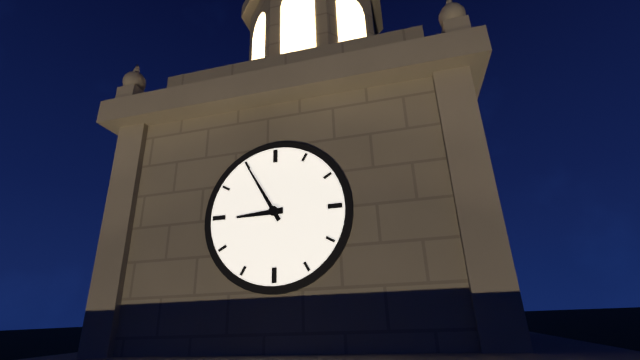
**8:55**
